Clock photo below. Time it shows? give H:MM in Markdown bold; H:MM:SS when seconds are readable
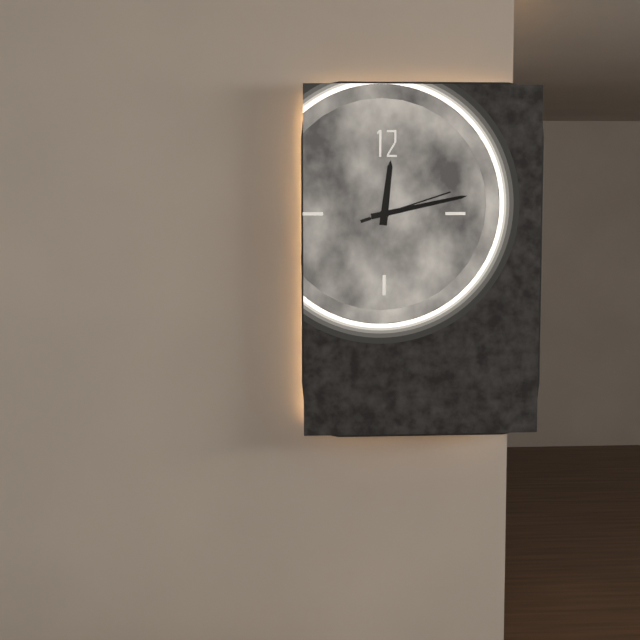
**12:13:12**
